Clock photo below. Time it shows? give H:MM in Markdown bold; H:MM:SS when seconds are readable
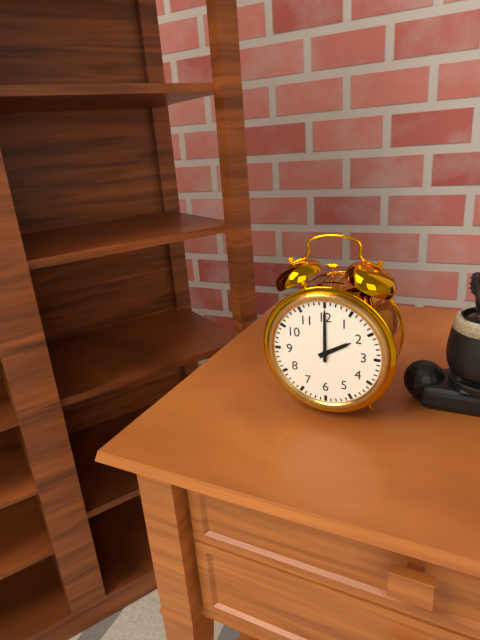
**2:00**
